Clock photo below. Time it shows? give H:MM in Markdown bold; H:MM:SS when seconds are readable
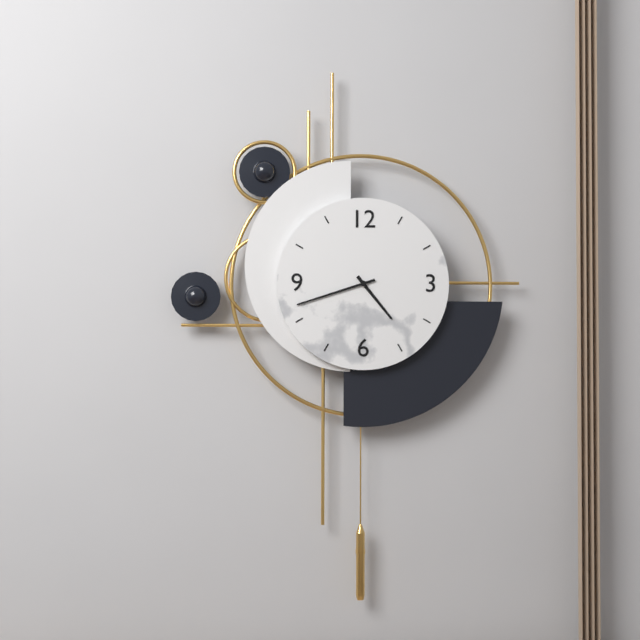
**4:42**
